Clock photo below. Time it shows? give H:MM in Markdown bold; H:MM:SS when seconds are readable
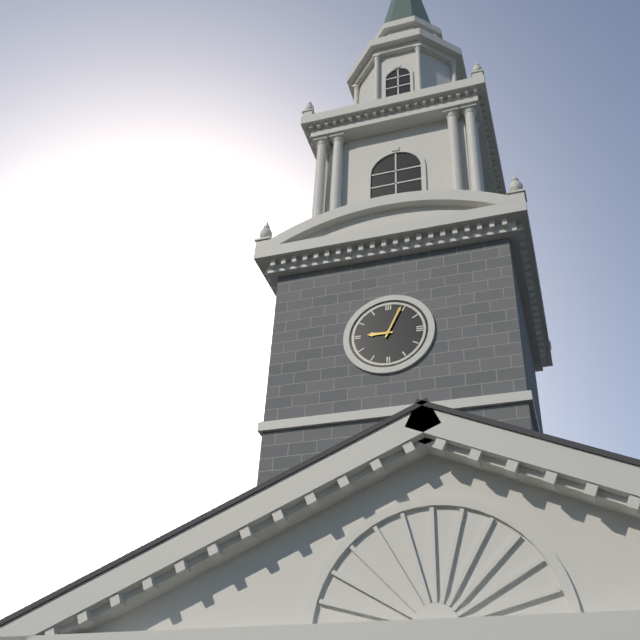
**9:04**
